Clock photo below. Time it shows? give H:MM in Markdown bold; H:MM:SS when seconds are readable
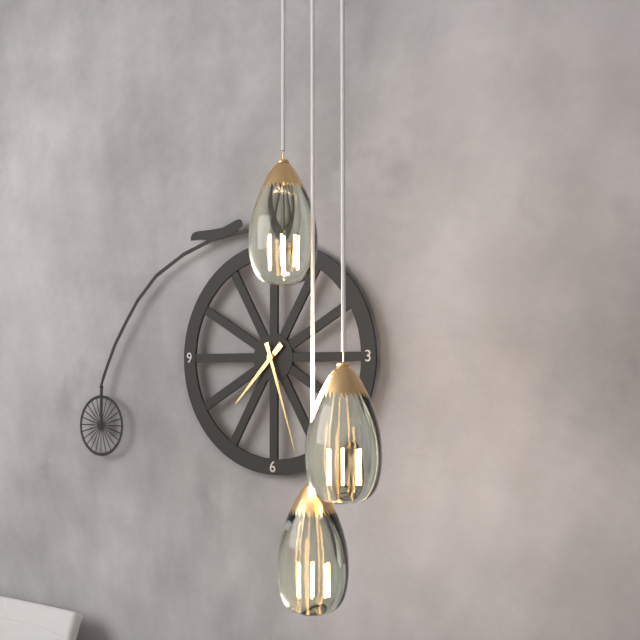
**7:27**
